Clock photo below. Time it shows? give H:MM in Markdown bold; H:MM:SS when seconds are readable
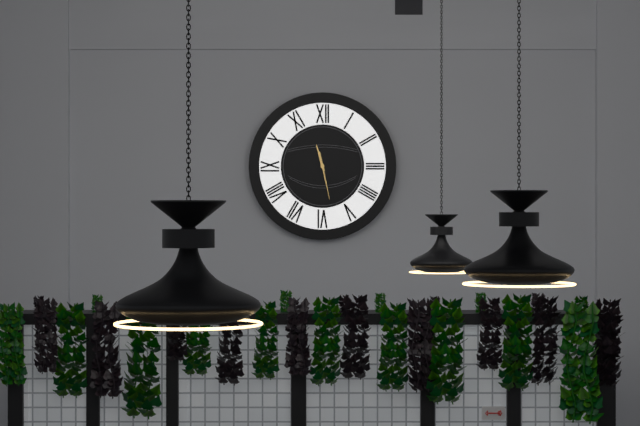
**11:28**
